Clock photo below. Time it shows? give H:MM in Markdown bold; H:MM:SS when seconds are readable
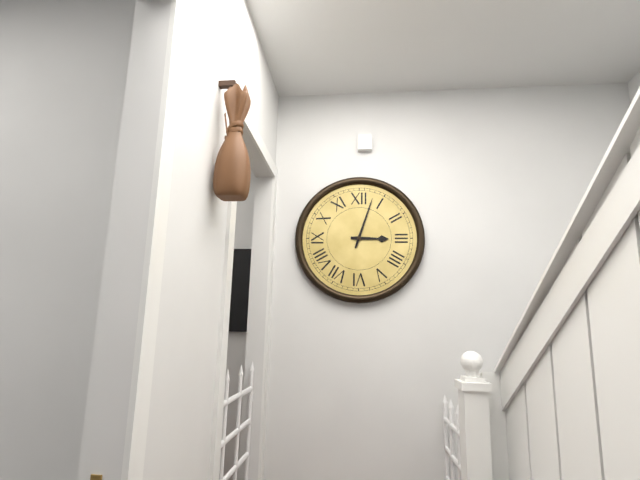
**3:03**
